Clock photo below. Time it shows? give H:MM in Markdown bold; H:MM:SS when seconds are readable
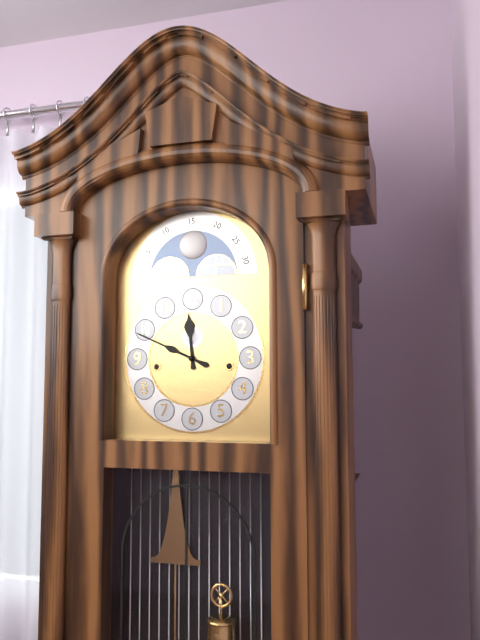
**11:49**
